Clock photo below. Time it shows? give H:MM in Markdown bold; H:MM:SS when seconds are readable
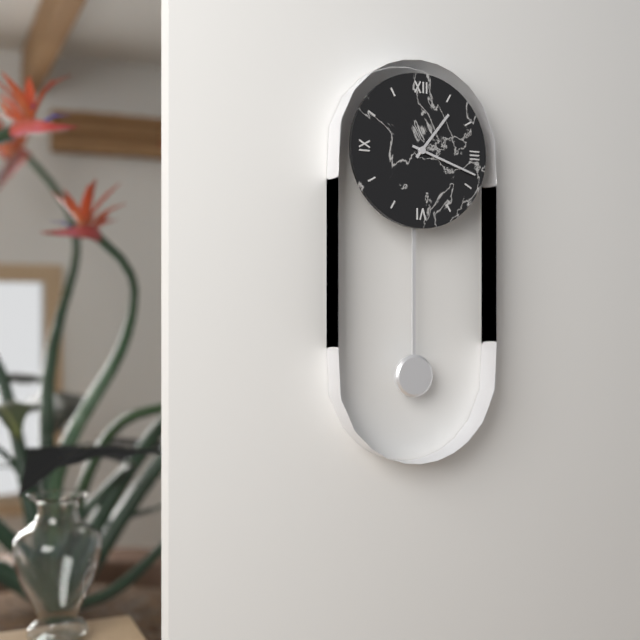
**1:18**
